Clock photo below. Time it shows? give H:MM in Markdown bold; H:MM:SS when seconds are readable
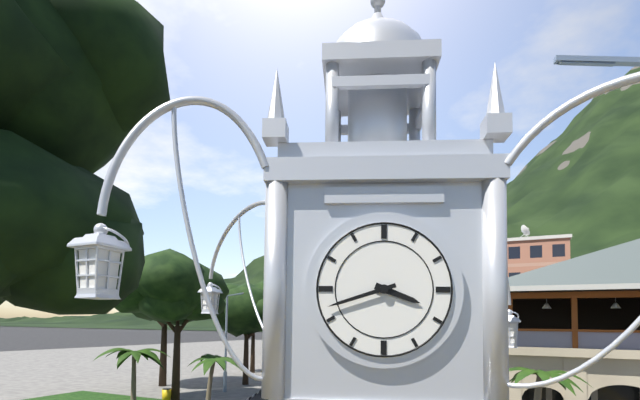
**3:42**
